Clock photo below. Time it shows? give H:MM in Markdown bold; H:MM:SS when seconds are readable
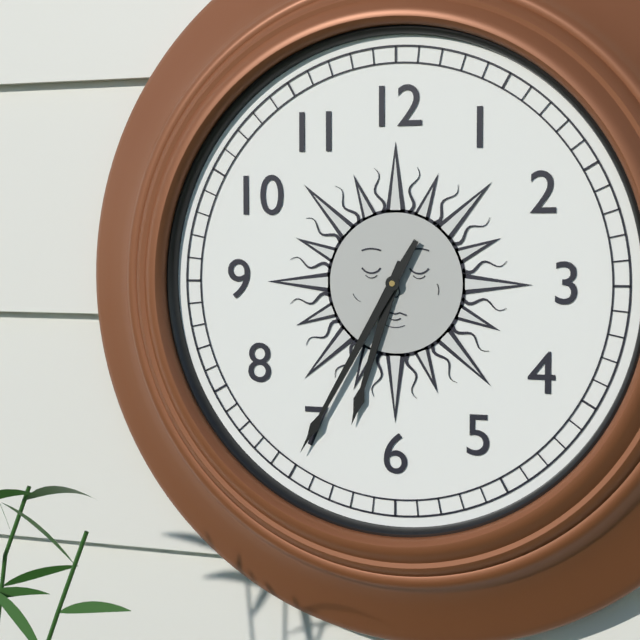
**6:35**
